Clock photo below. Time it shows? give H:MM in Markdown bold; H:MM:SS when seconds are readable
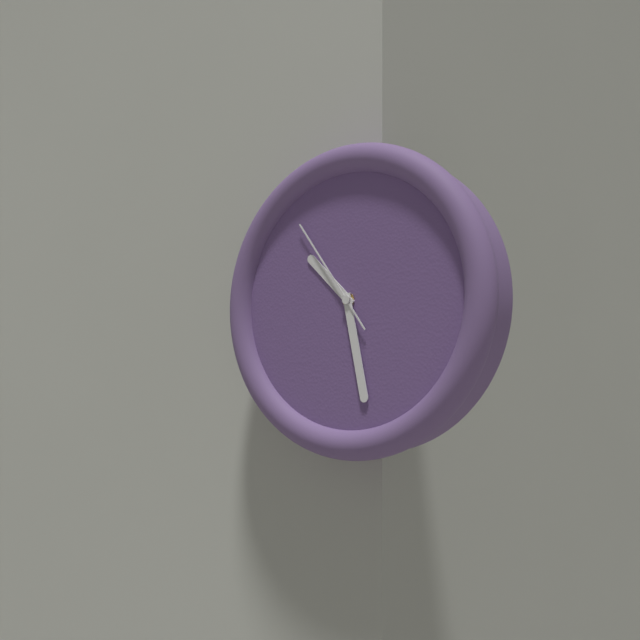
**10:28:54**
